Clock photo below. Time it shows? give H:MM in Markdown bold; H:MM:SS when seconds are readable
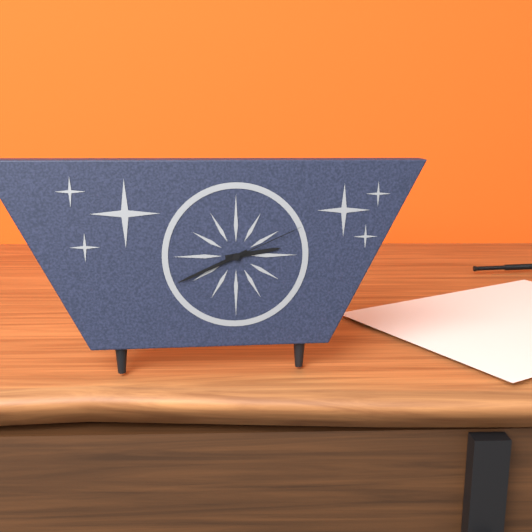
**2:41:11**
